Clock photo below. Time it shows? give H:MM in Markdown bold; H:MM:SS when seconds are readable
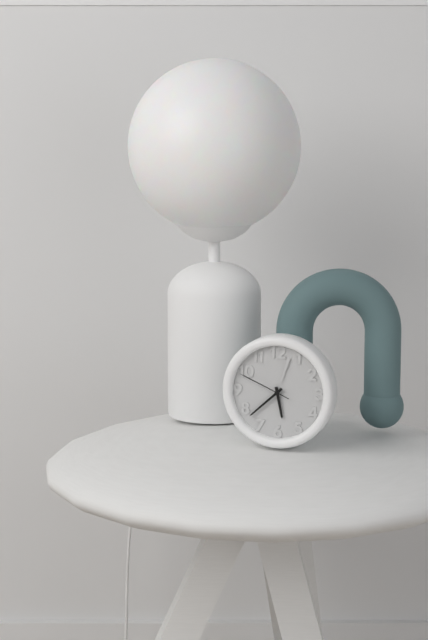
**5:38:49**
